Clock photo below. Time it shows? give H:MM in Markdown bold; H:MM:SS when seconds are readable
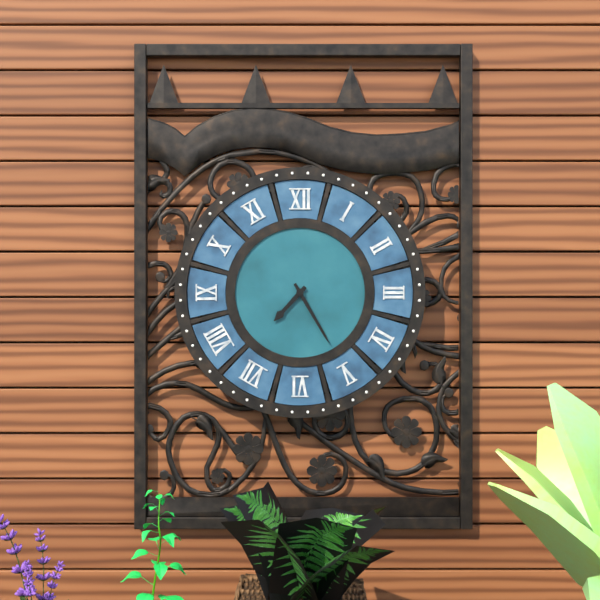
**7:25**
